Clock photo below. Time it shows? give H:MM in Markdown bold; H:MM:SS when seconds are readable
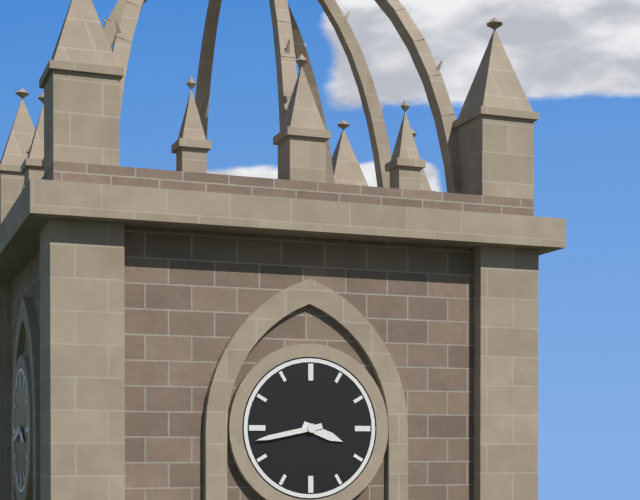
**3:43**
